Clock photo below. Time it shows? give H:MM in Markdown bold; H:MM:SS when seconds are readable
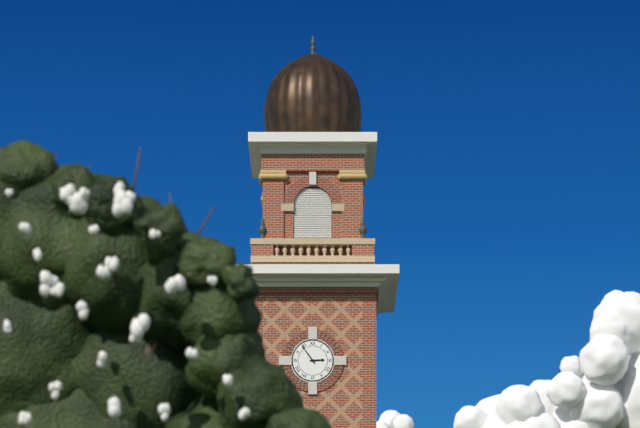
**2:54**
